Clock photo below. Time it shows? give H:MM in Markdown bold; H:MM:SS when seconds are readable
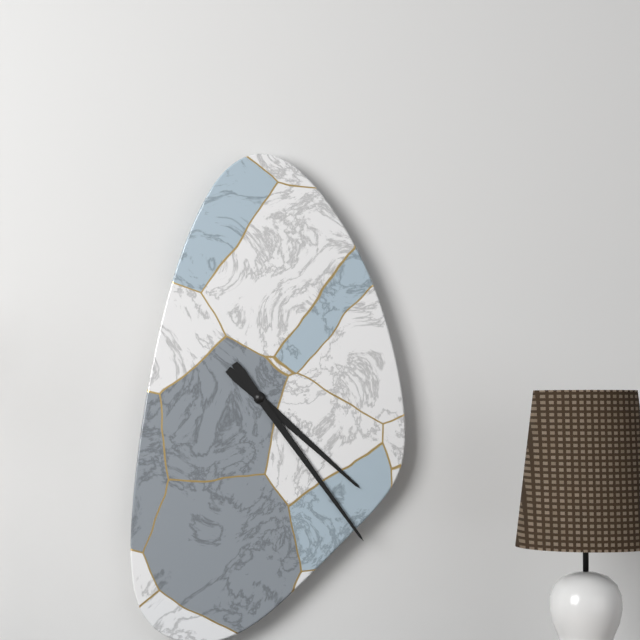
**4:24**
